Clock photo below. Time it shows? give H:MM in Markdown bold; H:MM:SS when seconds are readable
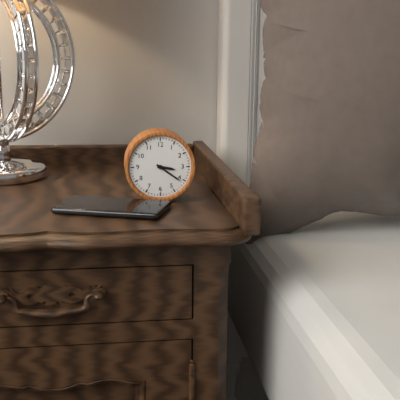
**3:21**
